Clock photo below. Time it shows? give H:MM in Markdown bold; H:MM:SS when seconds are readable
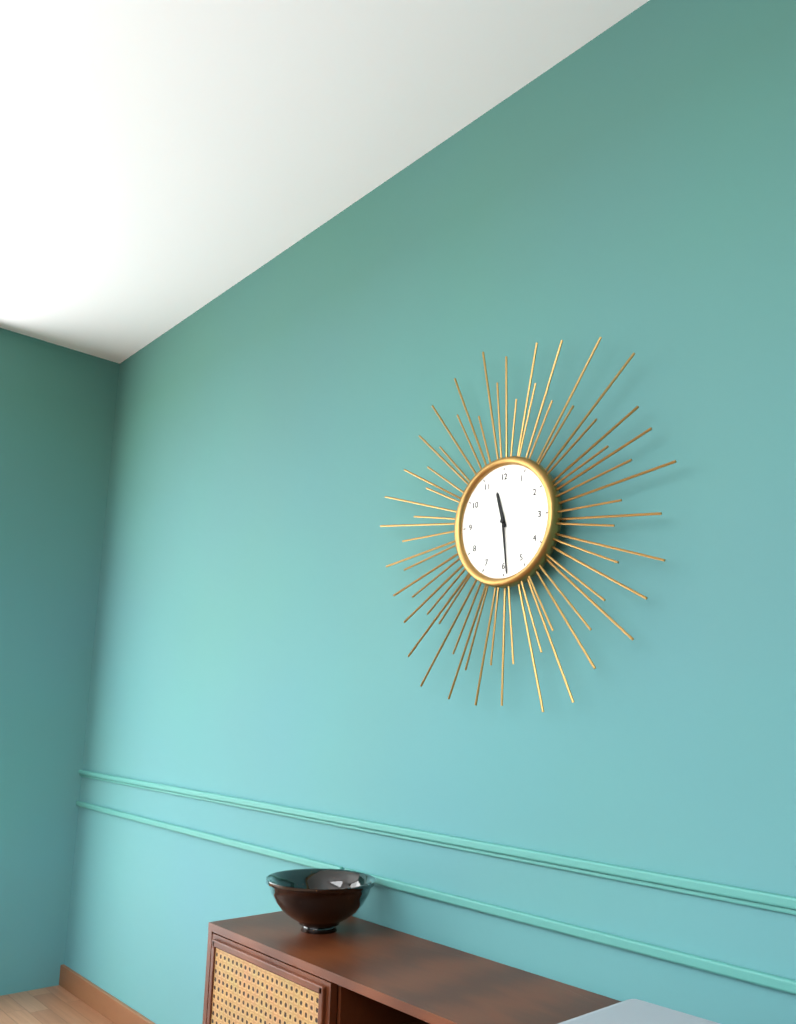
**11:29**
